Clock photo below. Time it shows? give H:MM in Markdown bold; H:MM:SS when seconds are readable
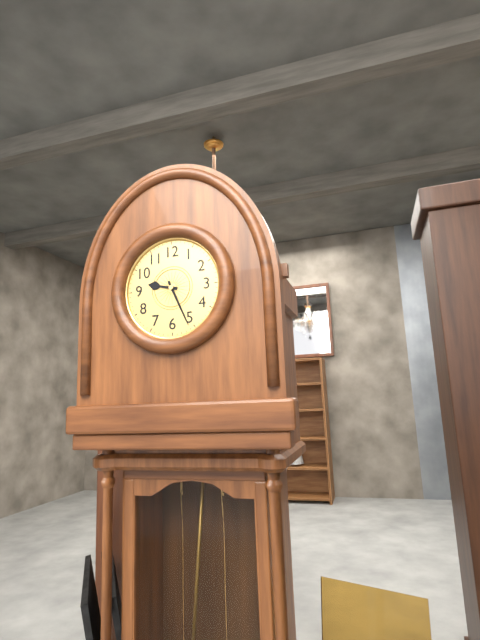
**9:26**
